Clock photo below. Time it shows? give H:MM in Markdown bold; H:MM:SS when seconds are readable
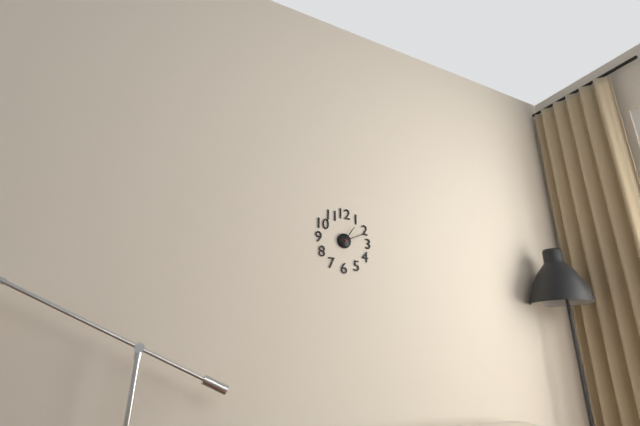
**1:11**
